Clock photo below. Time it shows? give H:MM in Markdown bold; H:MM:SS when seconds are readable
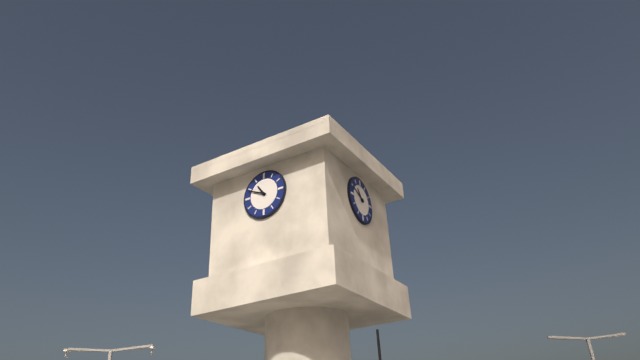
**10:49**
